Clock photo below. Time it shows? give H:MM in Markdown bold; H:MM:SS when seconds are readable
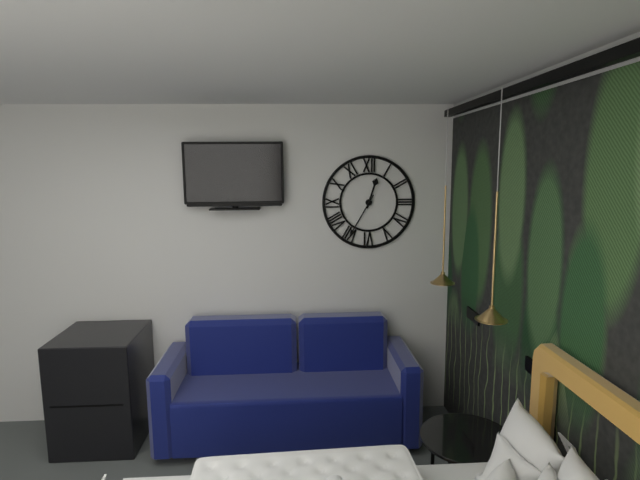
**12:35**
